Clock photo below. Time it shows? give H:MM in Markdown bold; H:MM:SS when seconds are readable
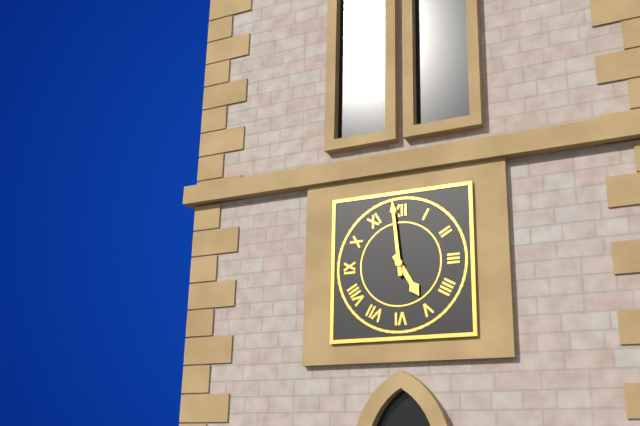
**4:59**
